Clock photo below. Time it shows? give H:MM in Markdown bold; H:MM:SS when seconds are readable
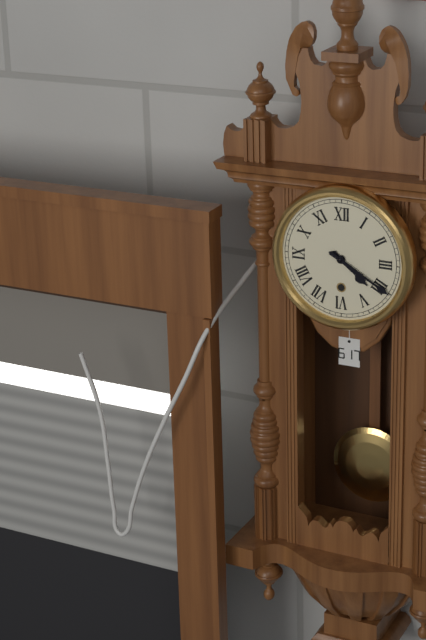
**4:20**
